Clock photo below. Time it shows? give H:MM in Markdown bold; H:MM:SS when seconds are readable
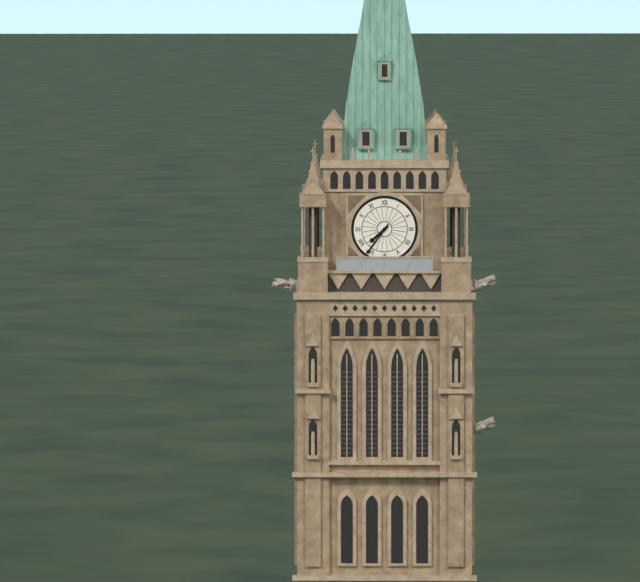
**7:36**
